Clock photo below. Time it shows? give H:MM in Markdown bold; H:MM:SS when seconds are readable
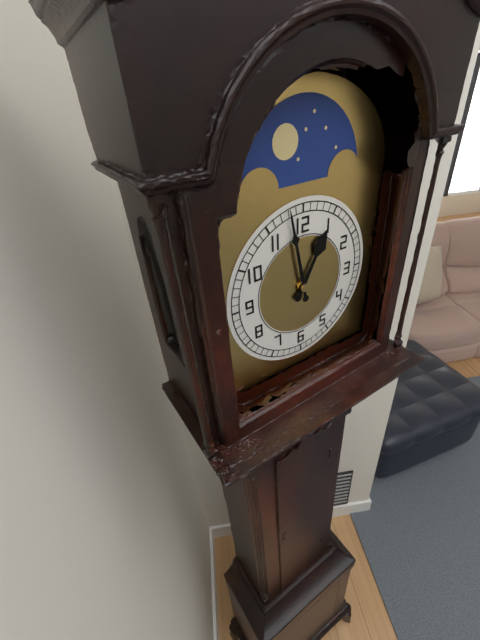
**12:58**
